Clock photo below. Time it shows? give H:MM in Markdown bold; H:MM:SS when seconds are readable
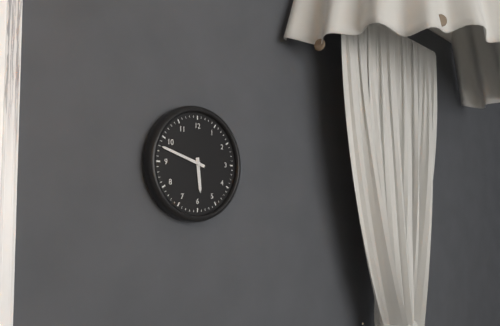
**5:48**
